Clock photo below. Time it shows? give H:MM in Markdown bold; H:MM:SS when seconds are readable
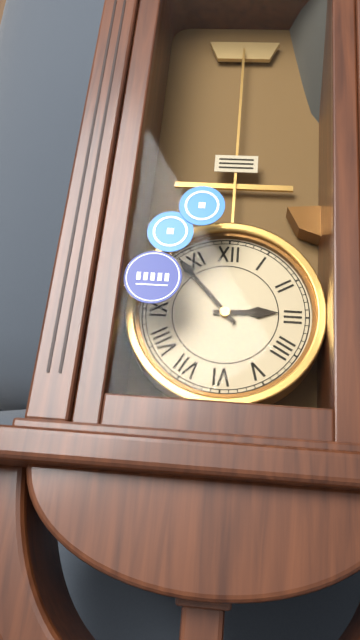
**2:53**
